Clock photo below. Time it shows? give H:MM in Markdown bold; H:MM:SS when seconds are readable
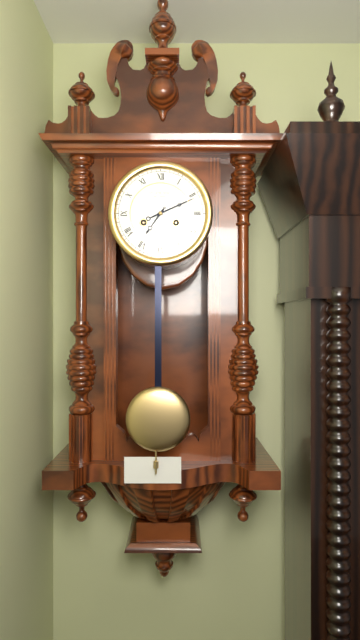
**7:11**
